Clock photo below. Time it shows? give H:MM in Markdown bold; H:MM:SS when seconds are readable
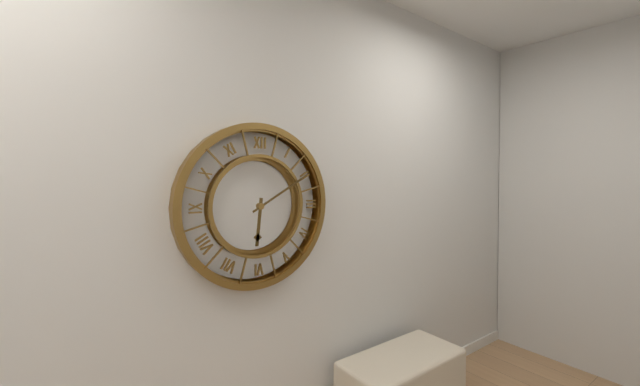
**6:10**
